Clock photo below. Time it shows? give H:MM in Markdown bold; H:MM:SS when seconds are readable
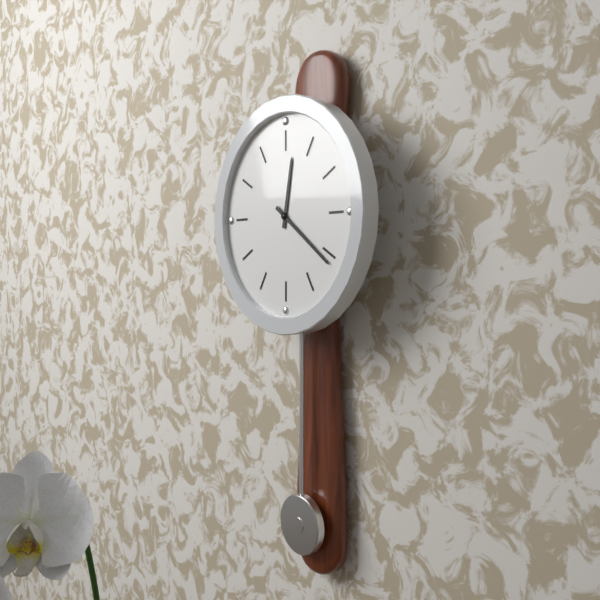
**12:21**
